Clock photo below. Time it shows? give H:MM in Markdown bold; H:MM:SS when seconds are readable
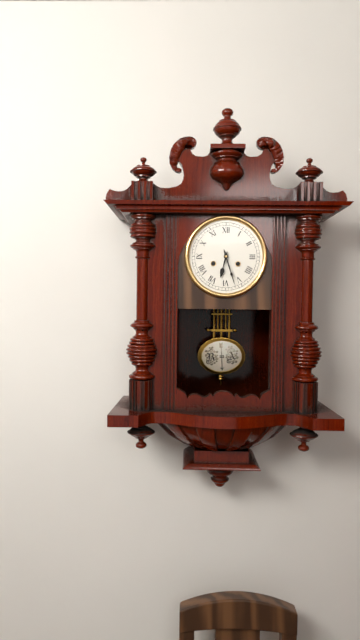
**6:27**
